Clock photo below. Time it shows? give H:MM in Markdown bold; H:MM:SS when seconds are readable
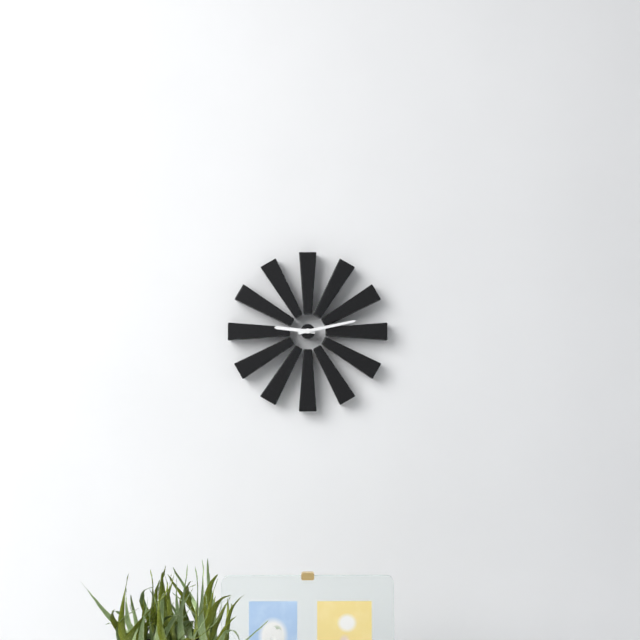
**9:13**
